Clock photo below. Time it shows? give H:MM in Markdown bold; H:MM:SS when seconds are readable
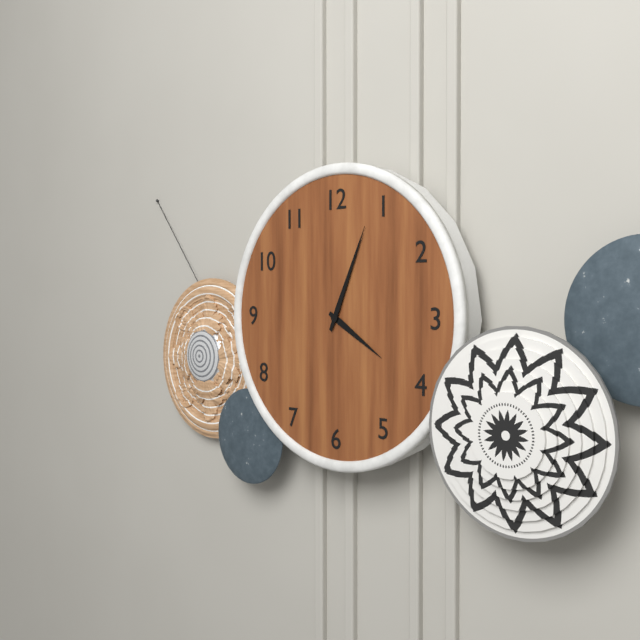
**4:04**
